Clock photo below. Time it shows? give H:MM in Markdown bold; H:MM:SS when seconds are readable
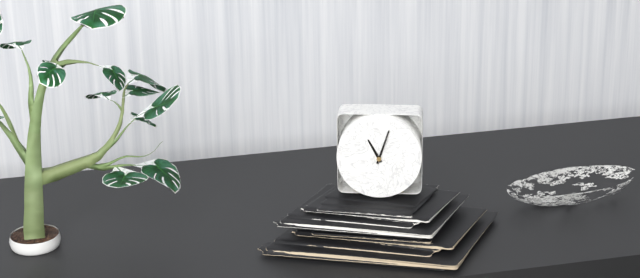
**11:03**
